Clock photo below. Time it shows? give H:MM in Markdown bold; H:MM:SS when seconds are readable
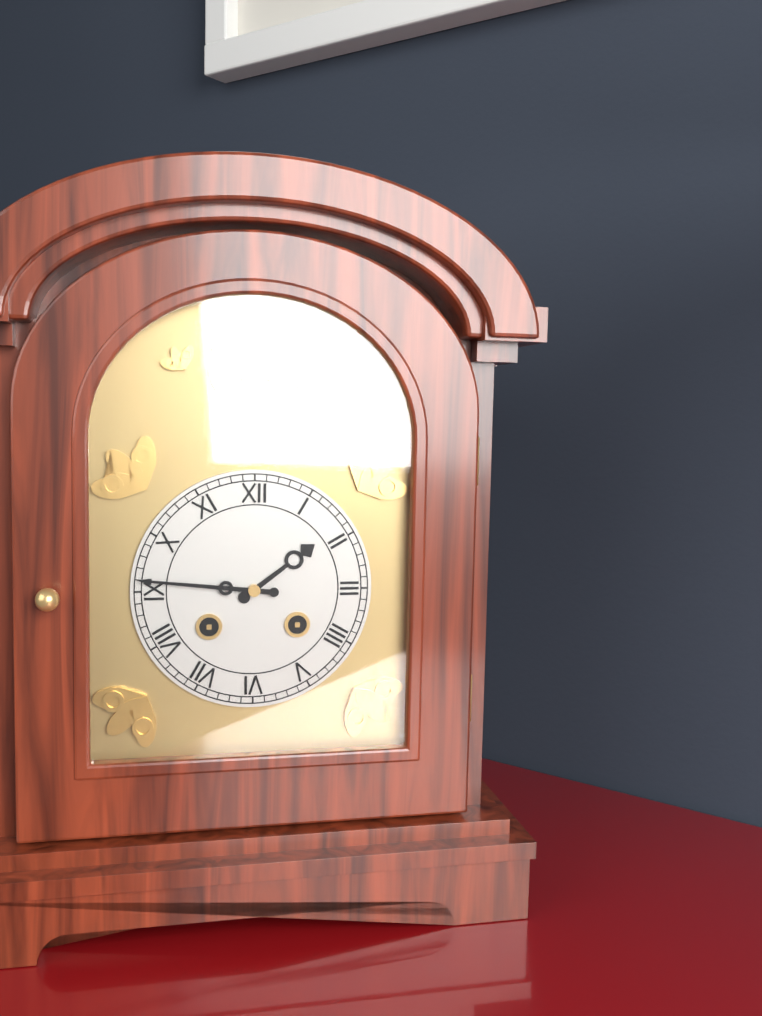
**1:46**
